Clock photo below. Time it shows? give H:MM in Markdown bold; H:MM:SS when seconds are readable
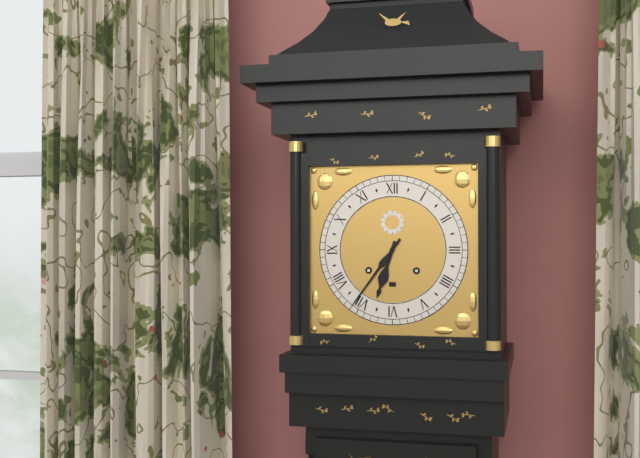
**6:36**
